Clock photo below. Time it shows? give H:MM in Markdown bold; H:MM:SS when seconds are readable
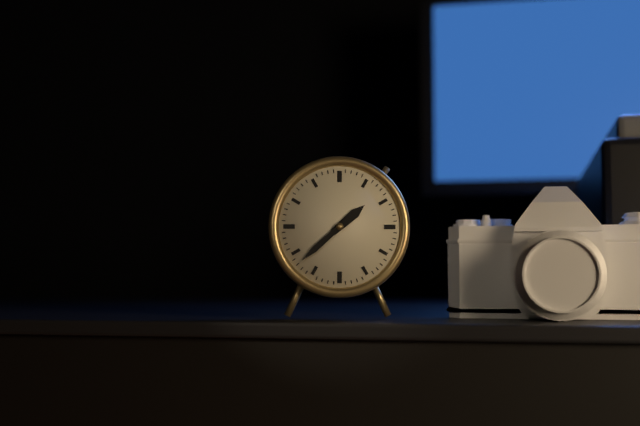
**1:38**
